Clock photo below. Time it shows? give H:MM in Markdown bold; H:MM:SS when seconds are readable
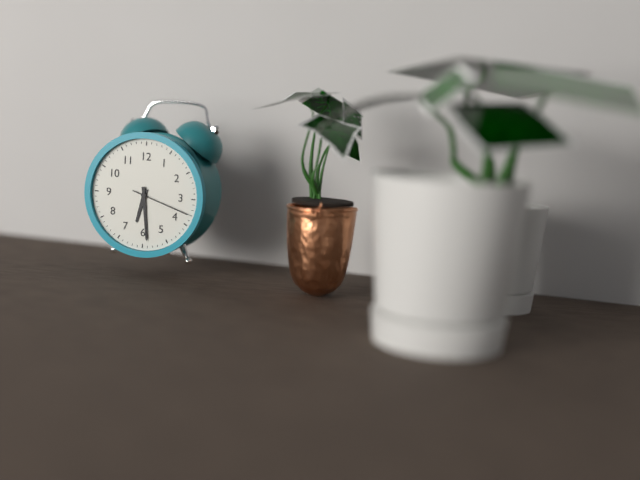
**6:29:18**
